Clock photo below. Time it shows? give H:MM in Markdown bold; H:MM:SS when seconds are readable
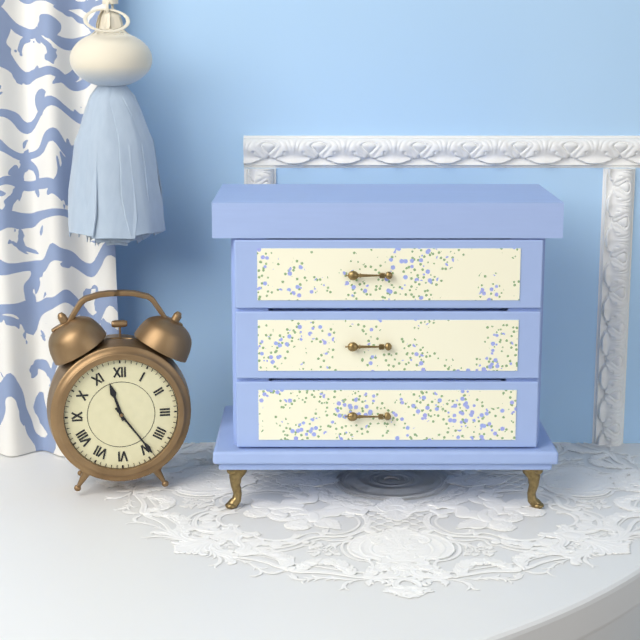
**11:24**
